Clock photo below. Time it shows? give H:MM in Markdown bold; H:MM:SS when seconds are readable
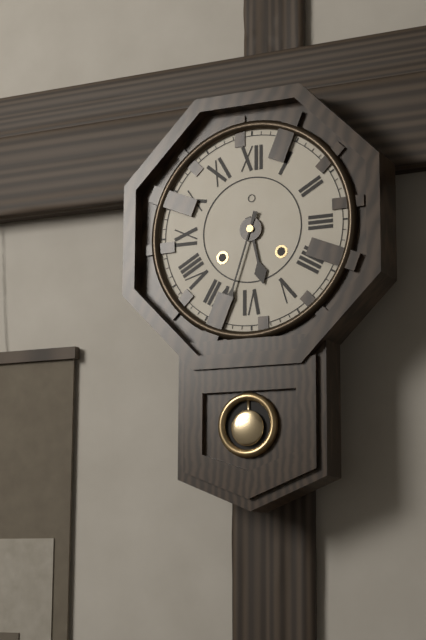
**5:33**
